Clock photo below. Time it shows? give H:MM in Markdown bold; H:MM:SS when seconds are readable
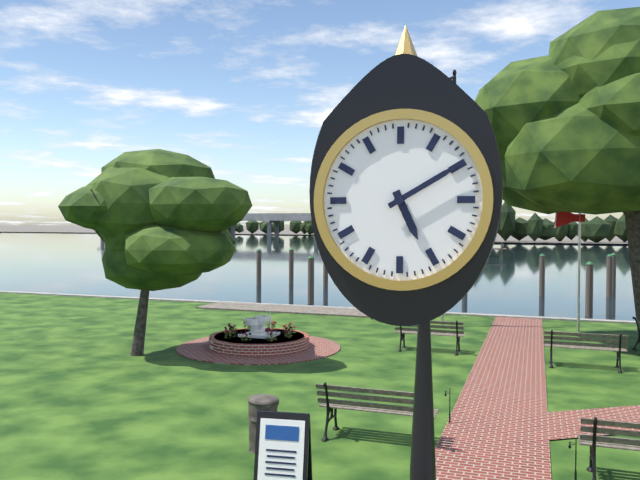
**5:10**
